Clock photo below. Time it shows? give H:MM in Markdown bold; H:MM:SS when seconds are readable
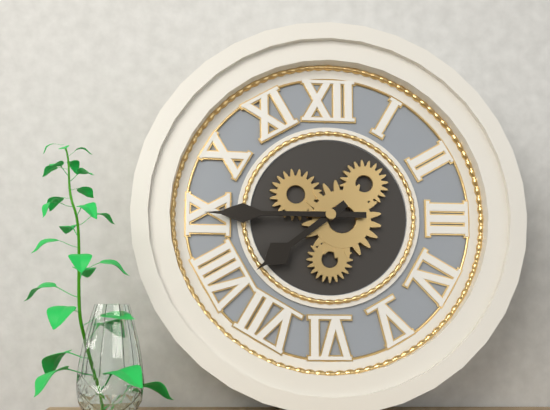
**7:45**
